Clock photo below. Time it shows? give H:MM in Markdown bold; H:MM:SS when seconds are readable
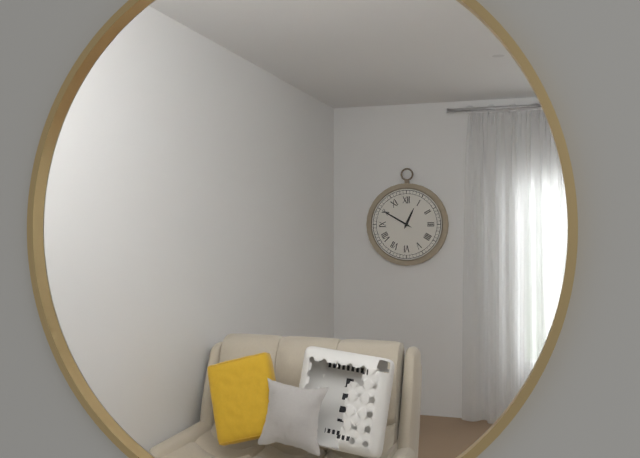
**12:50**
